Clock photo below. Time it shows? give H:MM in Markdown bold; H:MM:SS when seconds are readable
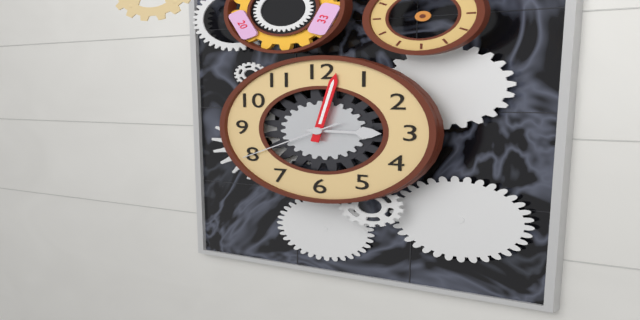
**3:02:40**
